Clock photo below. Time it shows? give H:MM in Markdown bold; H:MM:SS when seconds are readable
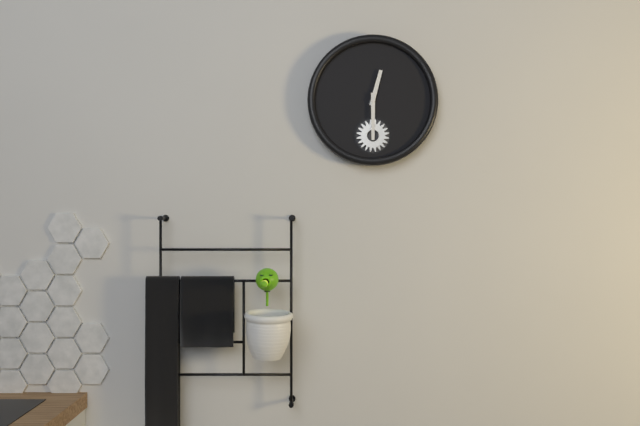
**12:30**
